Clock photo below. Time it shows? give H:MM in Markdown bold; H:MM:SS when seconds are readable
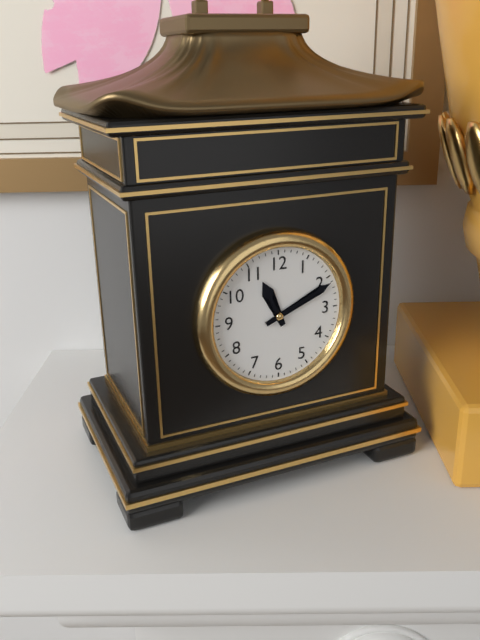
**11:11**
